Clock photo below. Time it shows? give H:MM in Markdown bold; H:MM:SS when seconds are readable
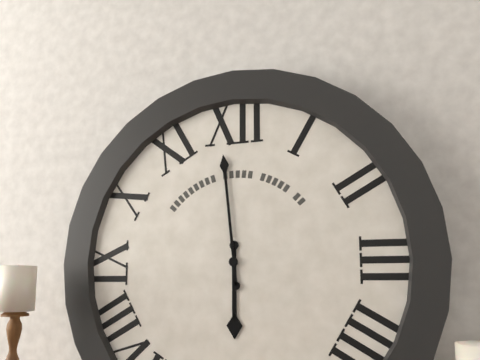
**5:59**
